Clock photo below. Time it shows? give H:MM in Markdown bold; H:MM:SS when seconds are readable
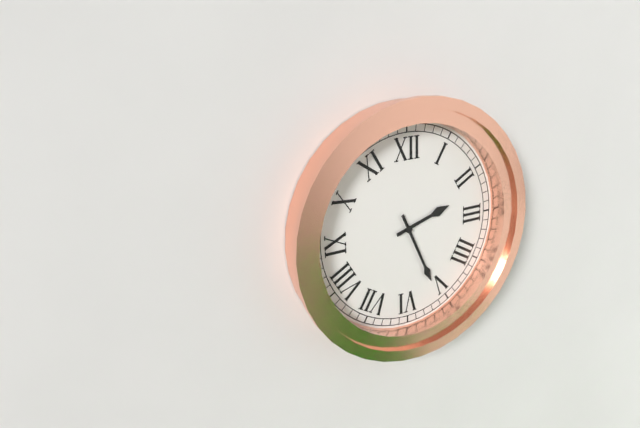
**2:26**
